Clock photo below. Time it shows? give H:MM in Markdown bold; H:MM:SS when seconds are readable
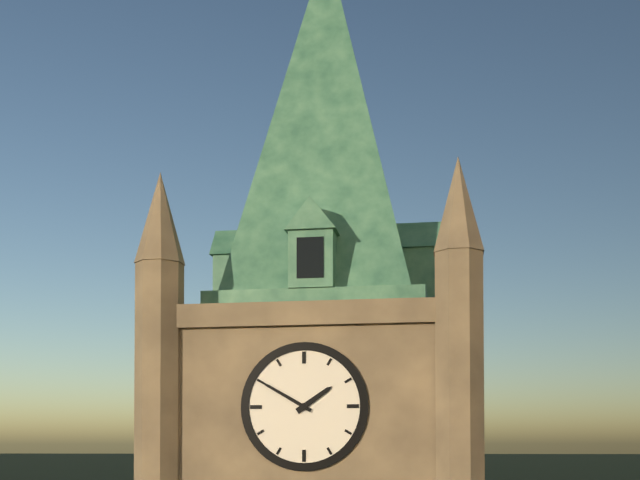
**1:50**
